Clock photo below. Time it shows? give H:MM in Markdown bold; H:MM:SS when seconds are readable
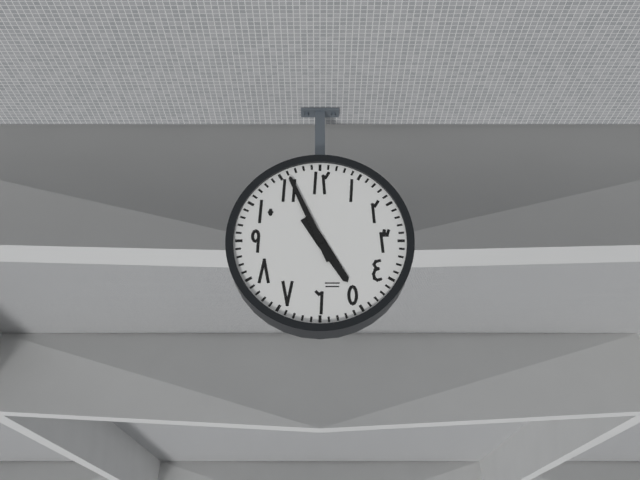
**4:56**
